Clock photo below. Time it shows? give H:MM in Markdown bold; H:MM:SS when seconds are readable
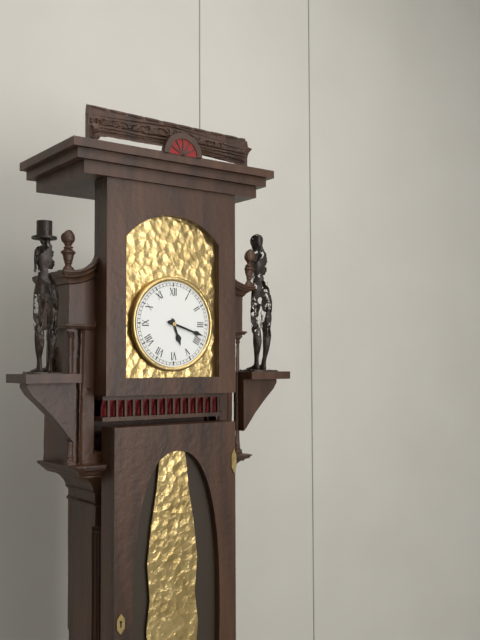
**5:18**
